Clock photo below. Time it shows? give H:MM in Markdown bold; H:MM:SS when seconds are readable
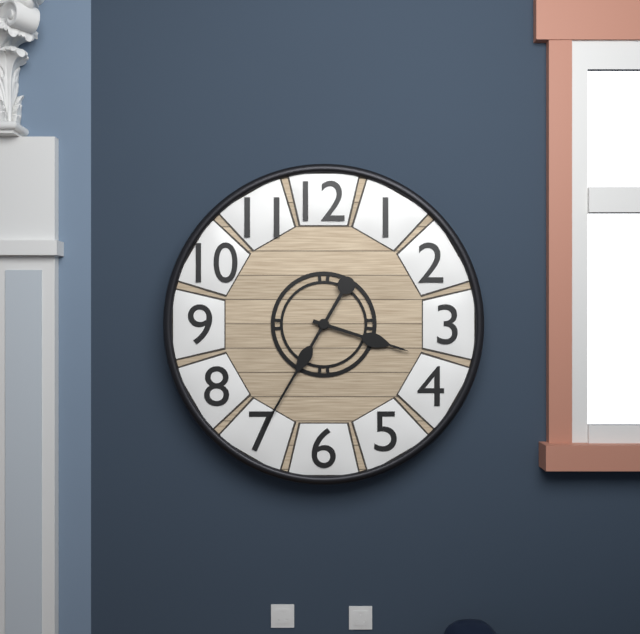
**3:35**
